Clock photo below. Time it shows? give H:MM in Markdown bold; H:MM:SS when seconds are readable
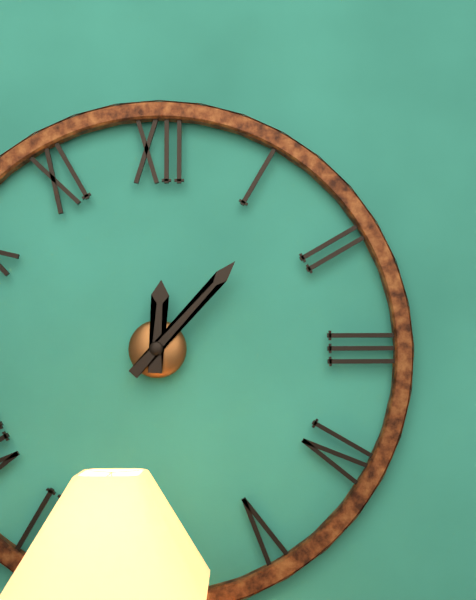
**12:07**
